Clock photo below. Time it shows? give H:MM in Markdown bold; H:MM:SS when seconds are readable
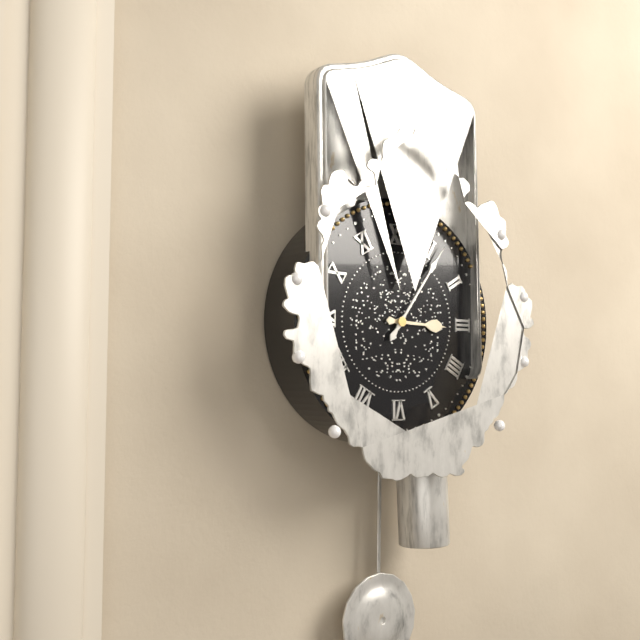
**3:06**
